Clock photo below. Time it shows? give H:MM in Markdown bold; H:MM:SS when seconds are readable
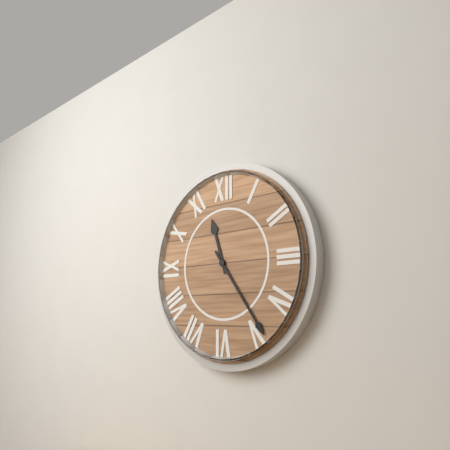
**11:24**
